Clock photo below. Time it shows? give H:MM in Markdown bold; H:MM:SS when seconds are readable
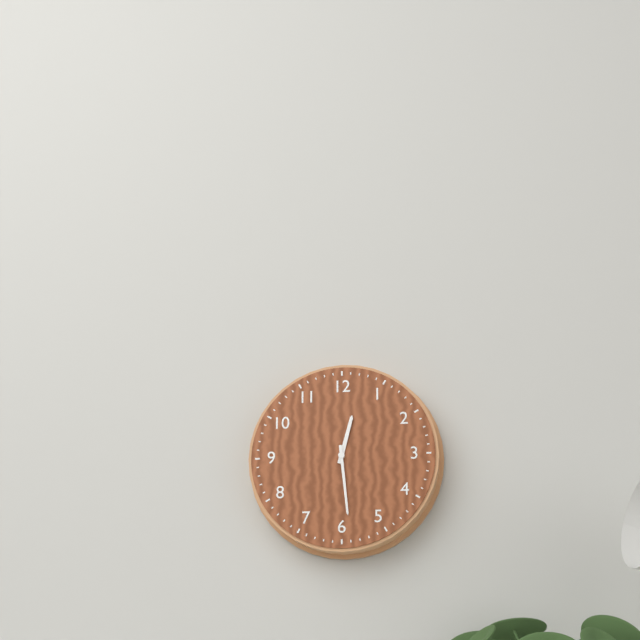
**12:29**
